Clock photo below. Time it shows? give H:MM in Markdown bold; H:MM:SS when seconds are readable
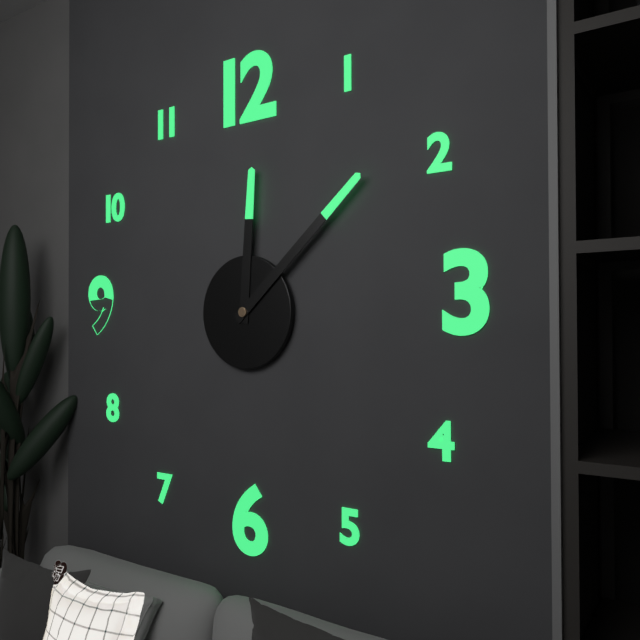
**12:08**
